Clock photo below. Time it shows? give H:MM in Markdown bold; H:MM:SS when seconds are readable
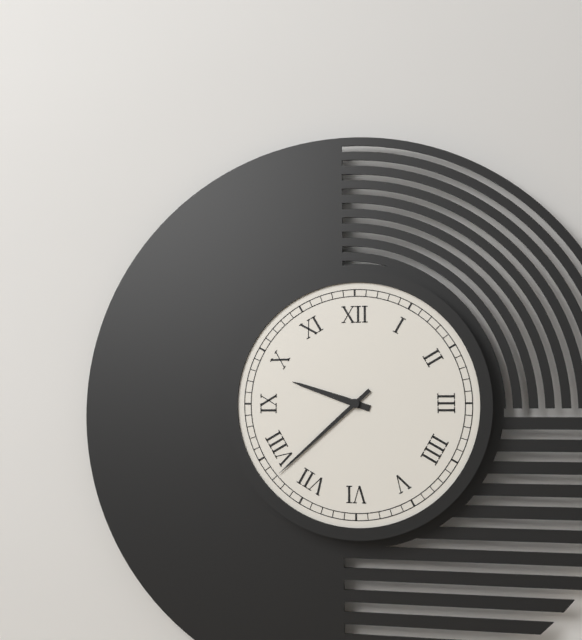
**9:38**
